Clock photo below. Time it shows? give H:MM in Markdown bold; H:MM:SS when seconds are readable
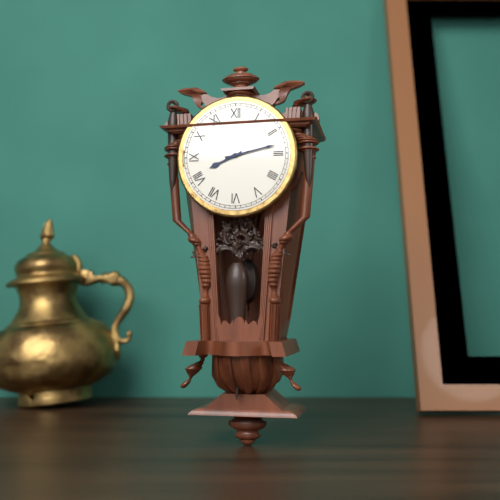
**8:13**
